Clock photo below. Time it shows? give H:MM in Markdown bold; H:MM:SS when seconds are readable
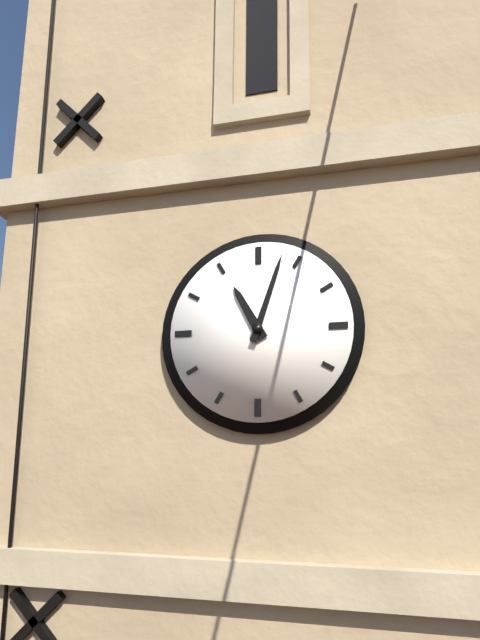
**11:03**
